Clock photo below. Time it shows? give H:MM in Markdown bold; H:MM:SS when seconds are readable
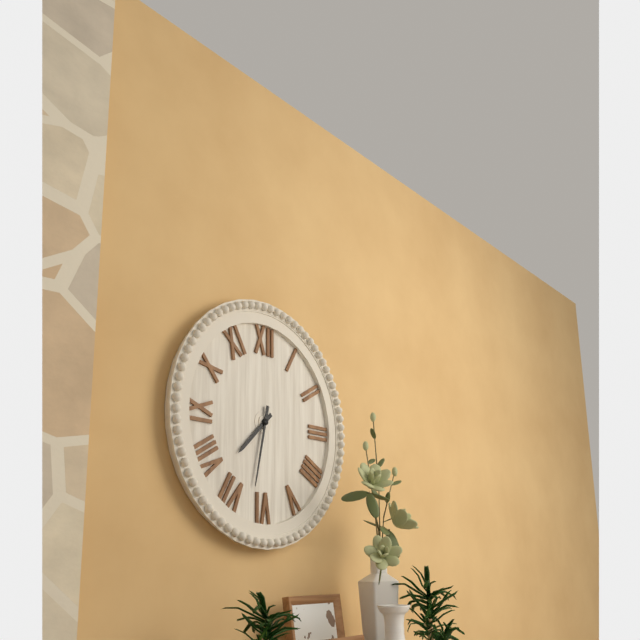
**7:32**
